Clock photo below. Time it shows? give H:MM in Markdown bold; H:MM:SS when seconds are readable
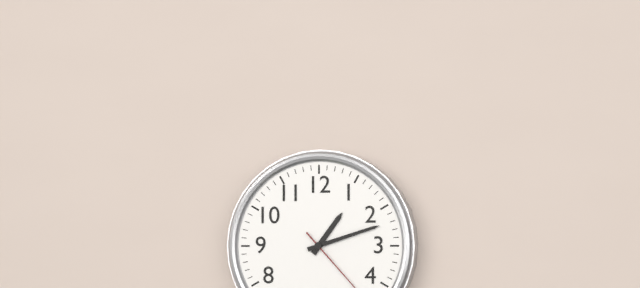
**1:12**
